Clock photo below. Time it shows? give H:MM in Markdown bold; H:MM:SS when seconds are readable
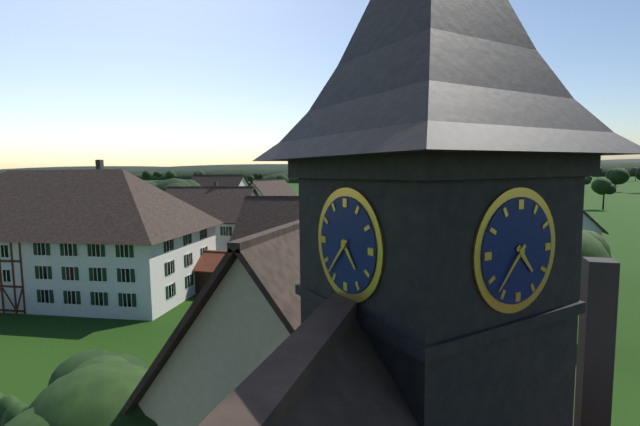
**4:37**
